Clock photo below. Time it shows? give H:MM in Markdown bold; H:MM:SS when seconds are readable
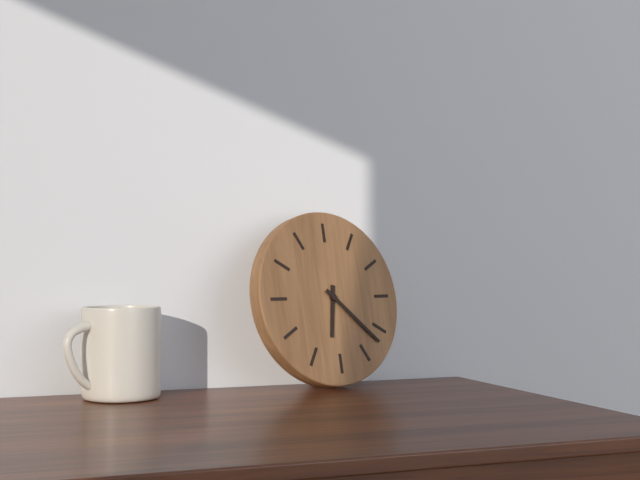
**6:22**
